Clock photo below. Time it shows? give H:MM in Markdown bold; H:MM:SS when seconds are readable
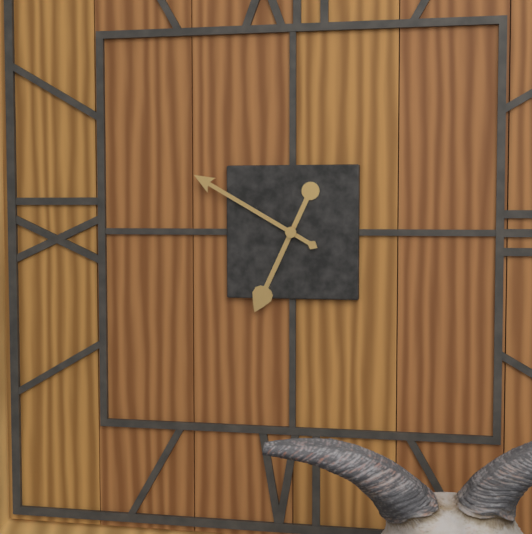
**6:50**
